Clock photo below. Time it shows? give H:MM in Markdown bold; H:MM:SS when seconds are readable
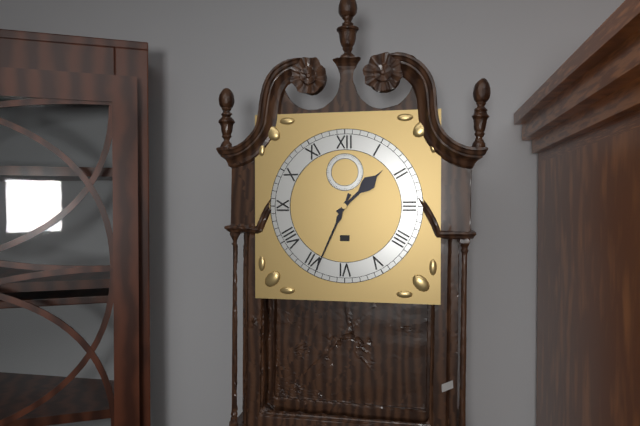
**1:34**
